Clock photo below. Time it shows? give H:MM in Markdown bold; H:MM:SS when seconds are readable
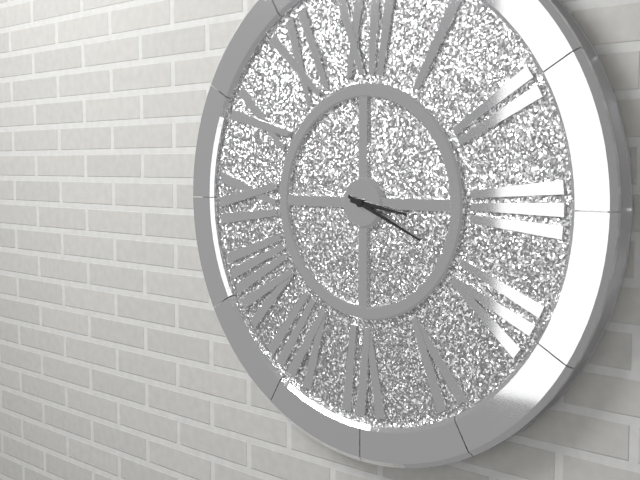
**3:19**
